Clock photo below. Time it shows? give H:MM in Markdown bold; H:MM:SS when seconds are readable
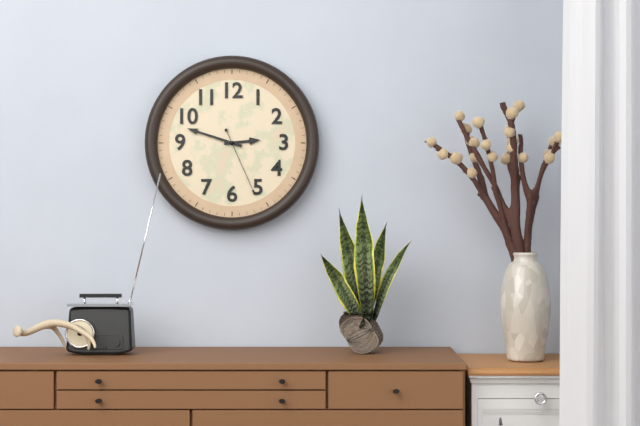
**2:48:26**
